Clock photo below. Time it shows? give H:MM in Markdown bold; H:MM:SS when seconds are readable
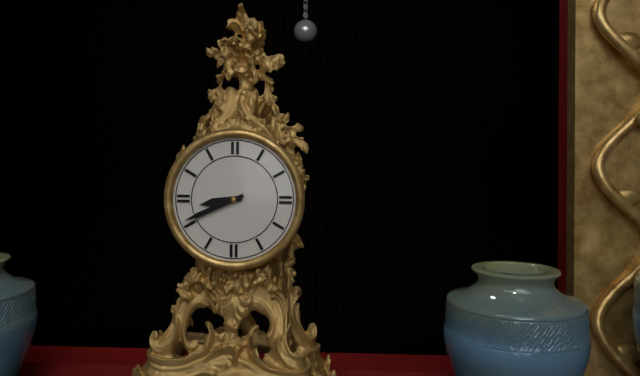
**8:41**
